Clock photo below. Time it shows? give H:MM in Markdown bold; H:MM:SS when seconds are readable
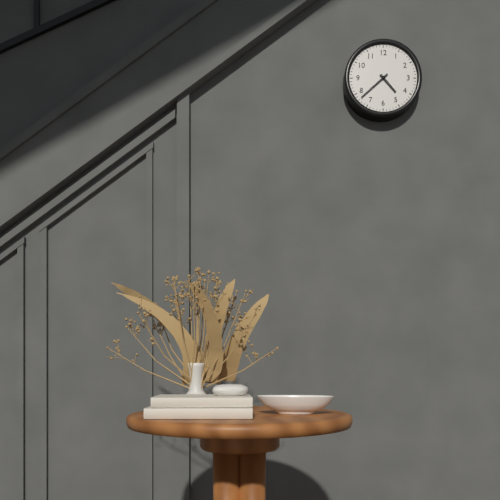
**4:38**
